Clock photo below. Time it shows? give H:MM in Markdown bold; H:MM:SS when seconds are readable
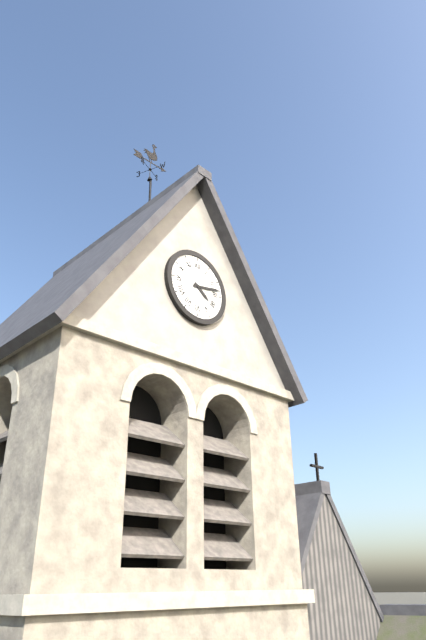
**4:13**
